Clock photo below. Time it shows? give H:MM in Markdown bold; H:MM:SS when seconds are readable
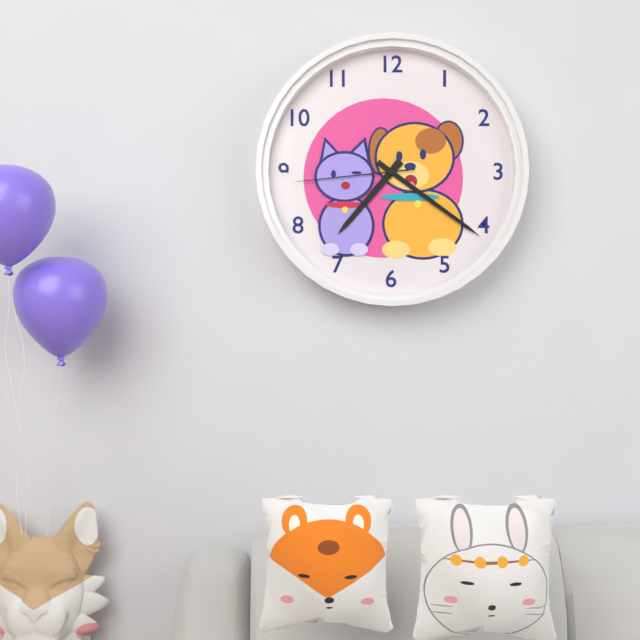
**7:21:44**
